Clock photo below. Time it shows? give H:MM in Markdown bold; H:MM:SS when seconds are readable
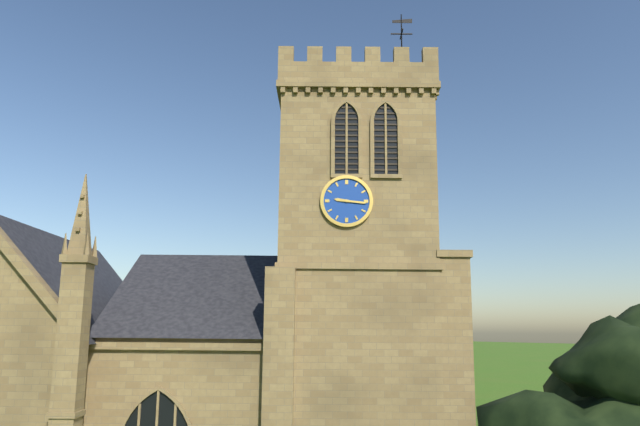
**9:16**
